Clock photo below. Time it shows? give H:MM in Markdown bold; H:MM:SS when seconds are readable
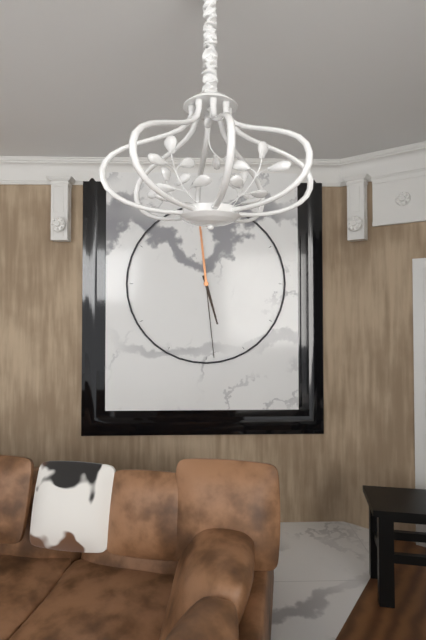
**5:29**
